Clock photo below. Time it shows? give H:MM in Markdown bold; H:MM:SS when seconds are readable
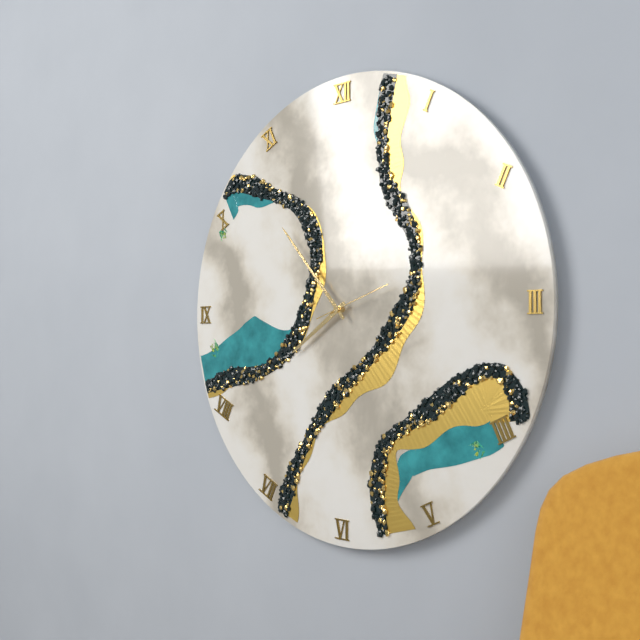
**7:53:12**
